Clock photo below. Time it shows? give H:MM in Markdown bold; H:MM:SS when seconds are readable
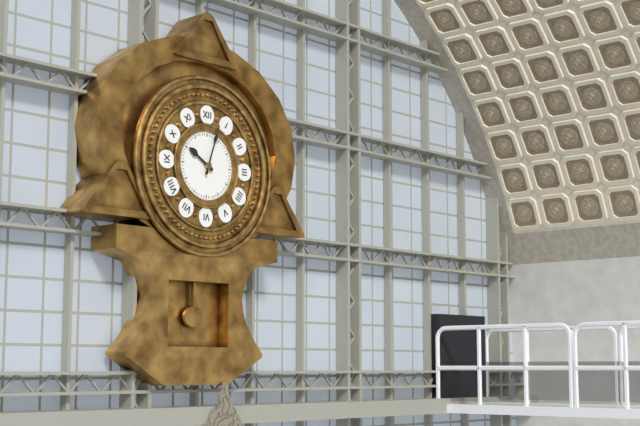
**10:03**
